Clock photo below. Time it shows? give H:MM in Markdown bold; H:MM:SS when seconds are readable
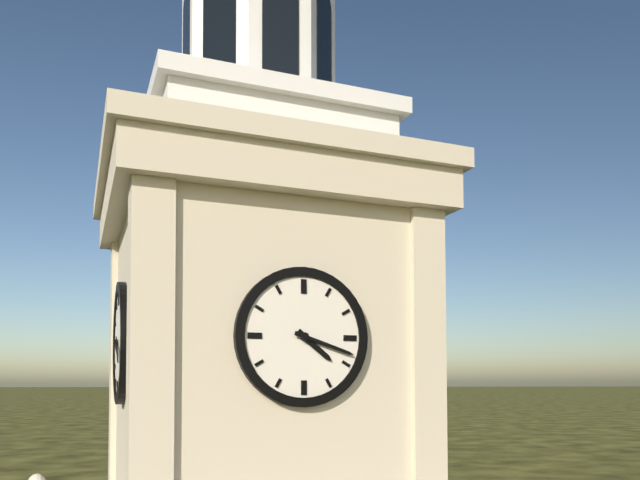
**4:18**
